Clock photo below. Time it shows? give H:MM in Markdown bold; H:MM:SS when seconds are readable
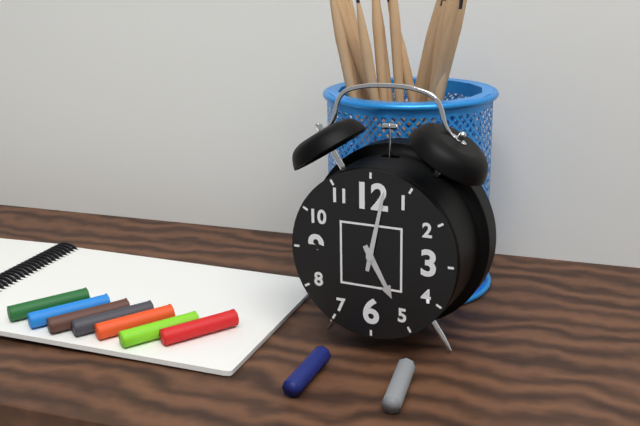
**5:02**
